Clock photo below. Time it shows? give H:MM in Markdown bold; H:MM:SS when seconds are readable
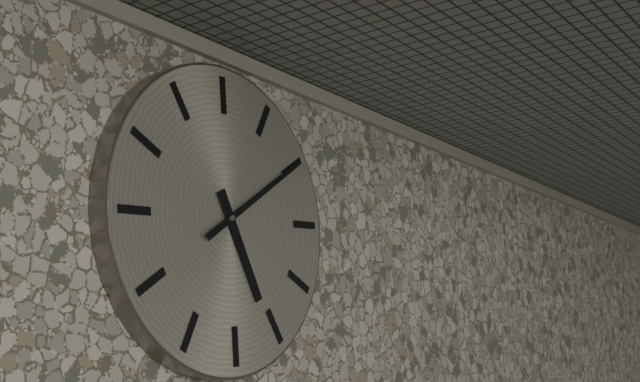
**5:10**
